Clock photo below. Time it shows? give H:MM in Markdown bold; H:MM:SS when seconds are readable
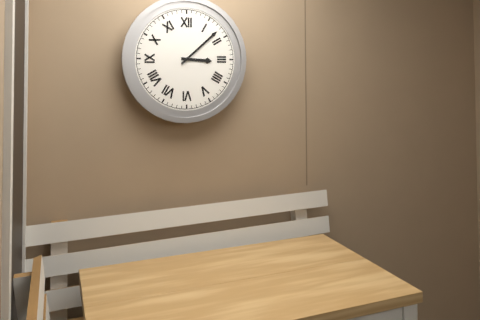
**3:08**
